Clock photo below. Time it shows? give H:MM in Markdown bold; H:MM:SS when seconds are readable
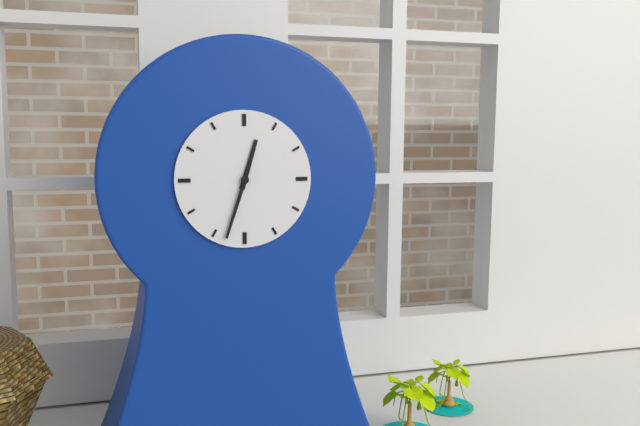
**12:33**
